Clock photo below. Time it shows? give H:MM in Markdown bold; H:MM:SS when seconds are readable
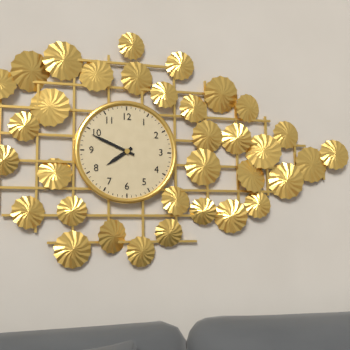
**7:49**
